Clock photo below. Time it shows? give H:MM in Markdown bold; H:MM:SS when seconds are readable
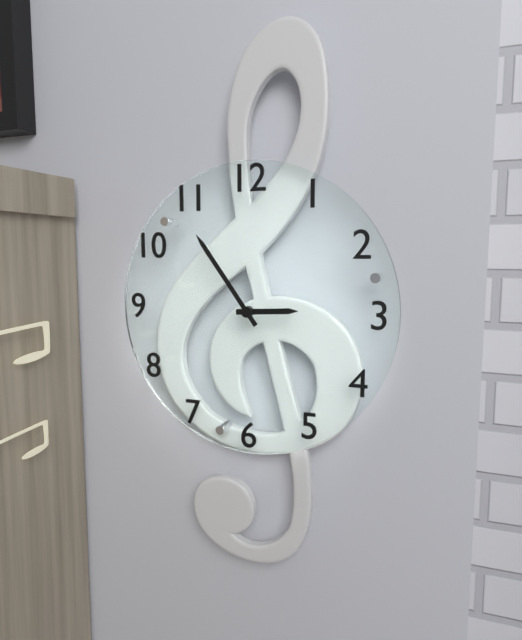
**2:54**
